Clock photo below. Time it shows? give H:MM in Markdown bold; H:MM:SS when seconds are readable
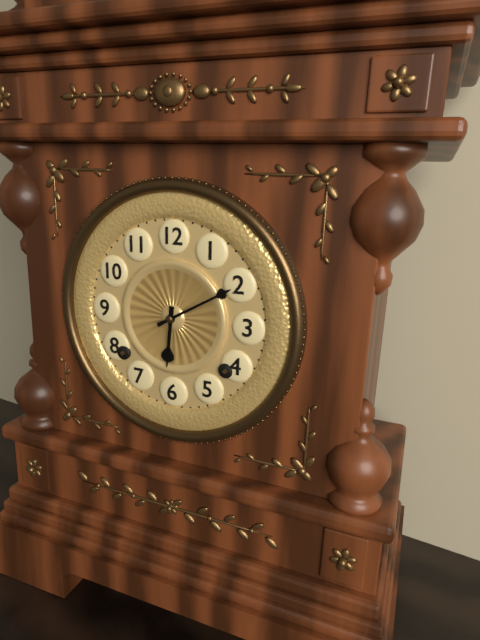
**6:10**
